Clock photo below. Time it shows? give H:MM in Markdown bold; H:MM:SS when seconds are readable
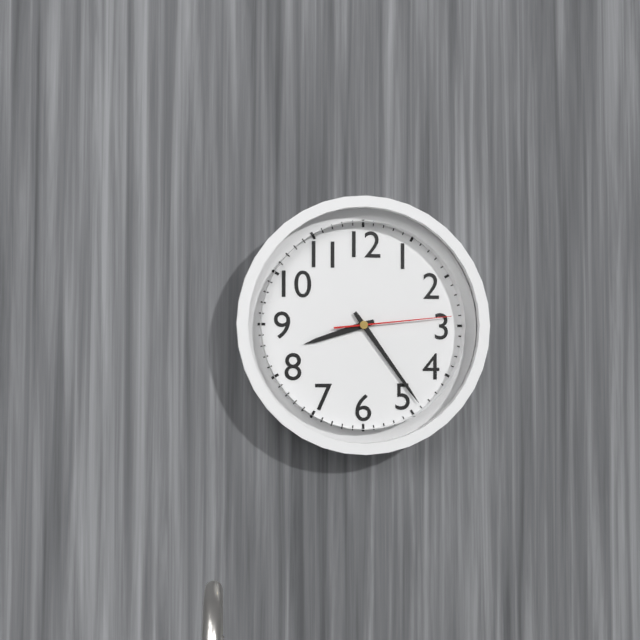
**8:24:14**
